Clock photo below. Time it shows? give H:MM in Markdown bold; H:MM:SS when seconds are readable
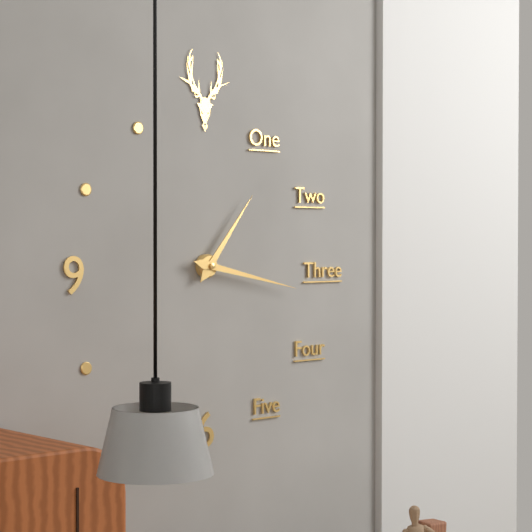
**1:17**
